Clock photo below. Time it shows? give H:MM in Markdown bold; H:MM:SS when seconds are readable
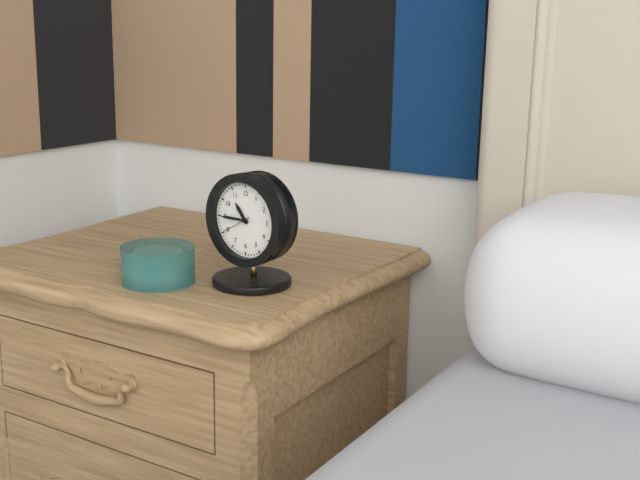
**10:45**
